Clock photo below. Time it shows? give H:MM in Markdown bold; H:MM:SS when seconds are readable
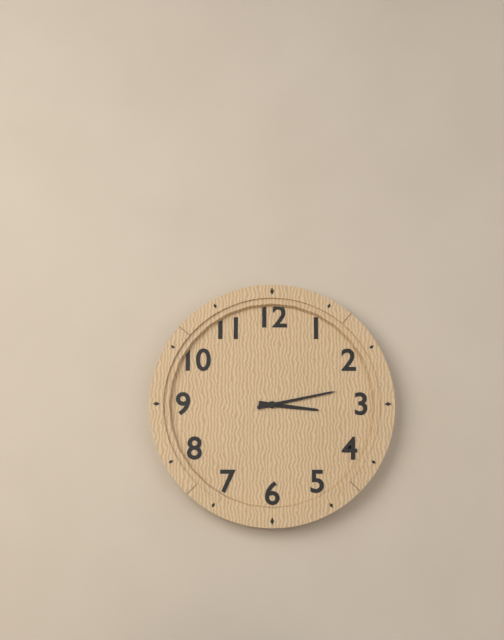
**3:13**
